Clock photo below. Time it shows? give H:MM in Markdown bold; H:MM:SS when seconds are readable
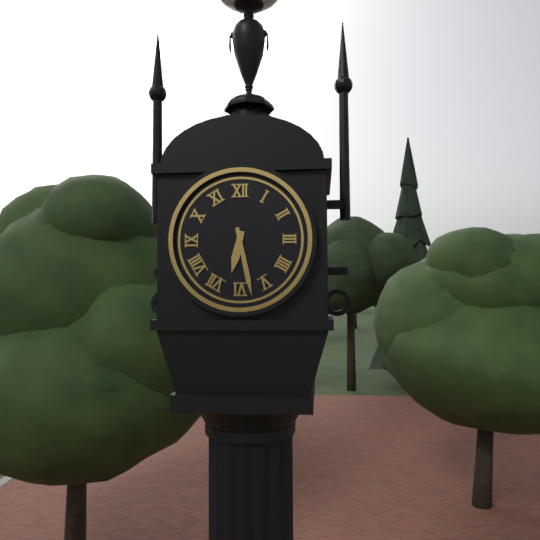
**6:28**
